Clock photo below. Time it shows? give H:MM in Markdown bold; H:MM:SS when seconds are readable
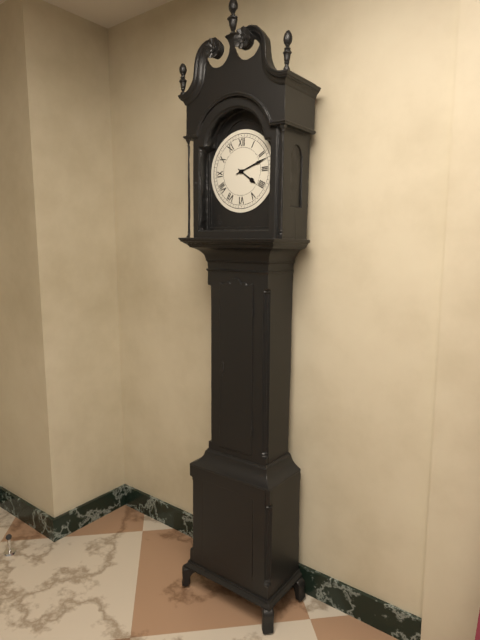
**4:12**
